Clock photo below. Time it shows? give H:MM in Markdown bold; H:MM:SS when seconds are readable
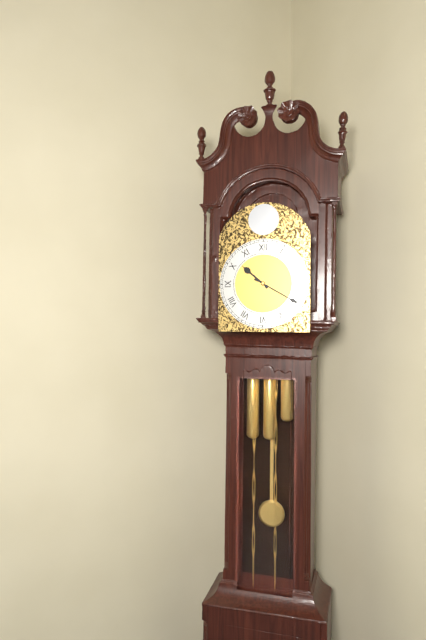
**10:20**
